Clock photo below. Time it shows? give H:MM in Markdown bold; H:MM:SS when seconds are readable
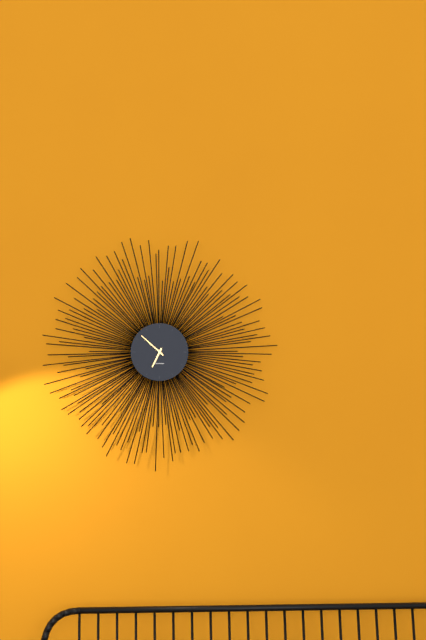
**6:52**
